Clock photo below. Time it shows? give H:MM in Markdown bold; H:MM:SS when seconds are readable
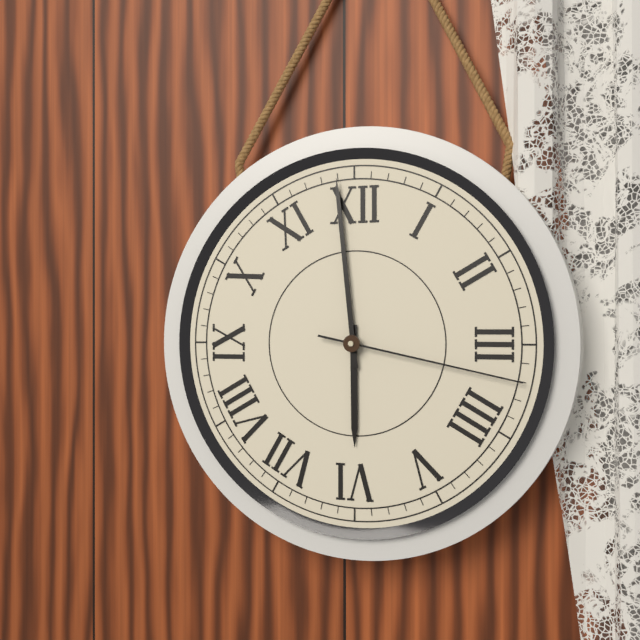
**5:59:17**
